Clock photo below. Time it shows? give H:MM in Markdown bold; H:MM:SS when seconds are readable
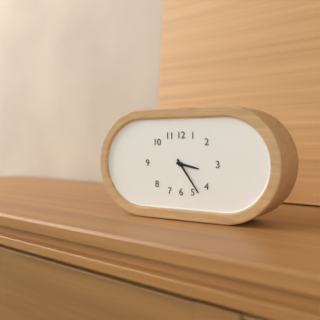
**3:24**
